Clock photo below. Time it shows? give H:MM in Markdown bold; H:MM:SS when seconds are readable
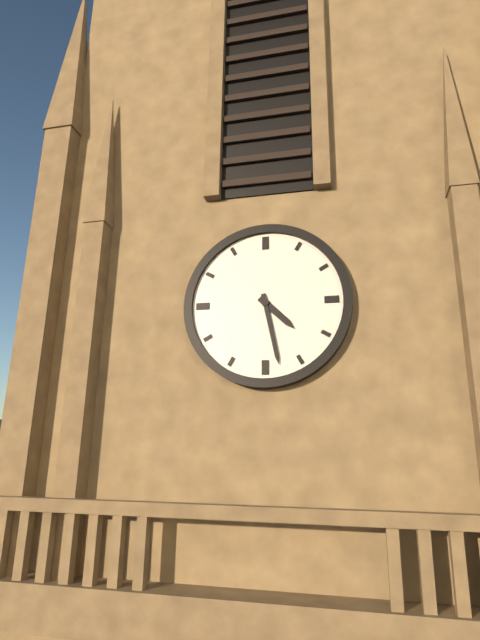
**4:28**
